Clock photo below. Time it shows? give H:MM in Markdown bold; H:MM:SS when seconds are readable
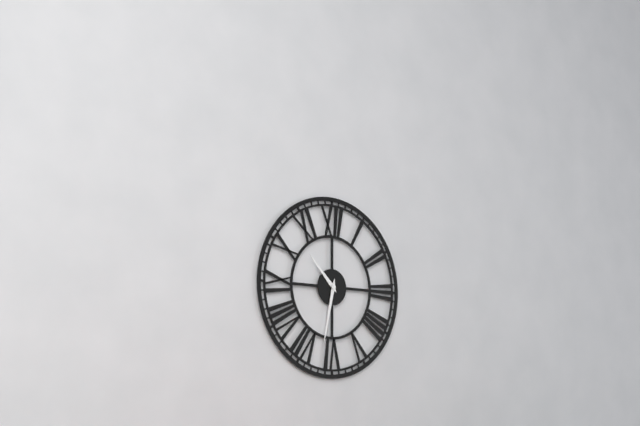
**10:32**
